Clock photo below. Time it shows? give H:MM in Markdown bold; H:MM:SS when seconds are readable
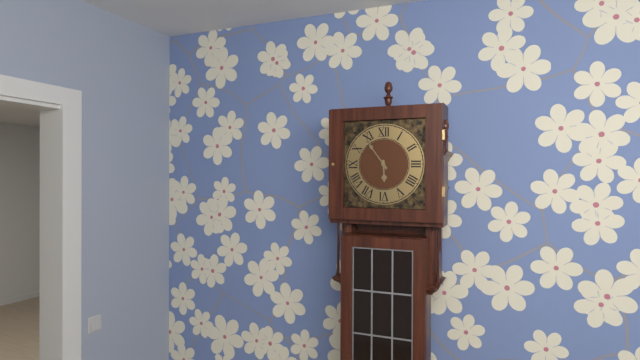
**5:54**
